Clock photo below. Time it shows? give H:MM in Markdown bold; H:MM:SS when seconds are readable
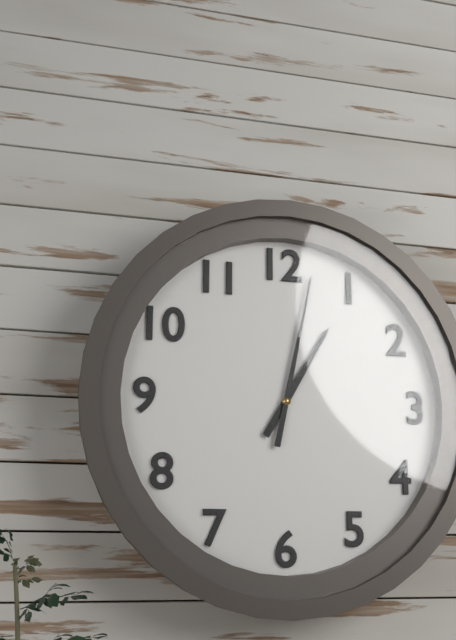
**1:02**
